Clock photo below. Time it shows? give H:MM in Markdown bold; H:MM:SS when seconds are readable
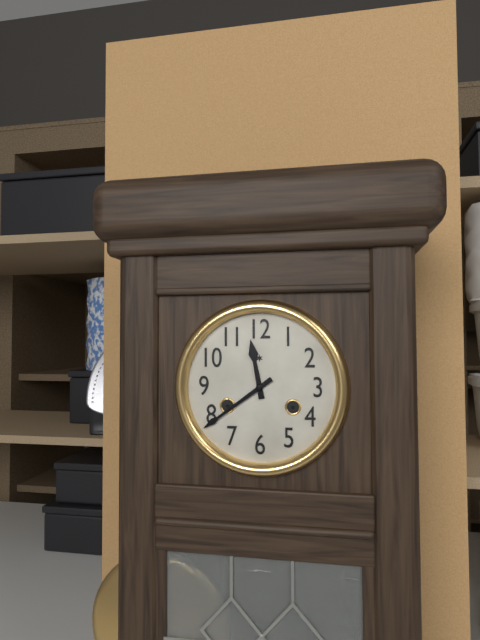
**11:39**
